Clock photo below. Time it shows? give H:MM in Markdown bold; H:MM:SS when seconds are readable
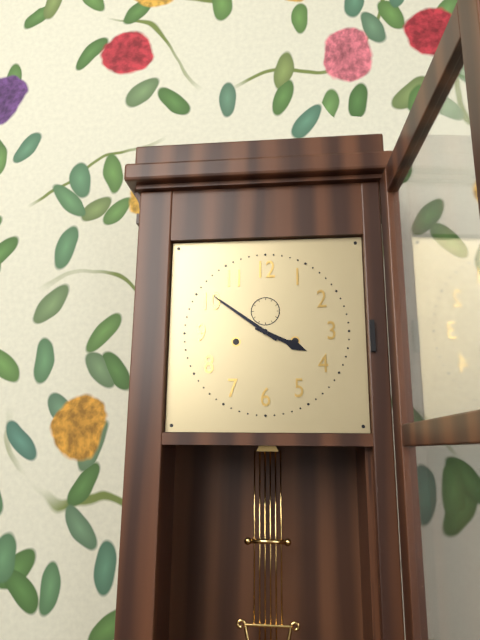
**3:51**
